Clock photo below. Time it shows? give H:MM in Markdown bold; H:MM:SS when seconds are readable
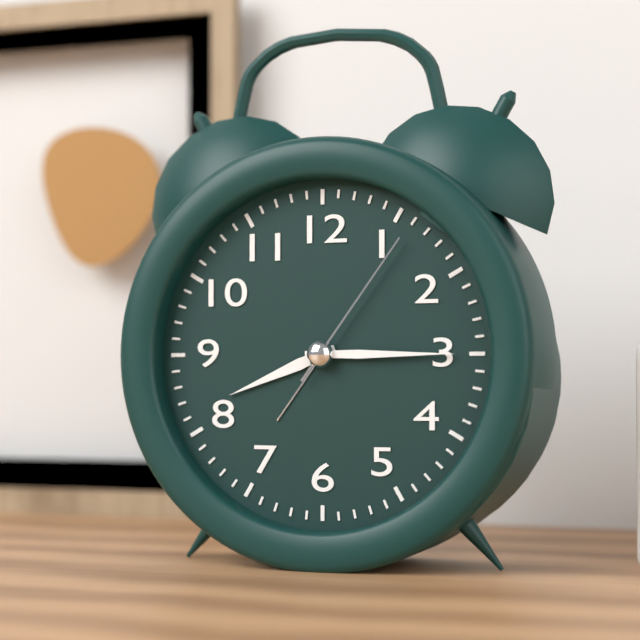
**8:15:06**
